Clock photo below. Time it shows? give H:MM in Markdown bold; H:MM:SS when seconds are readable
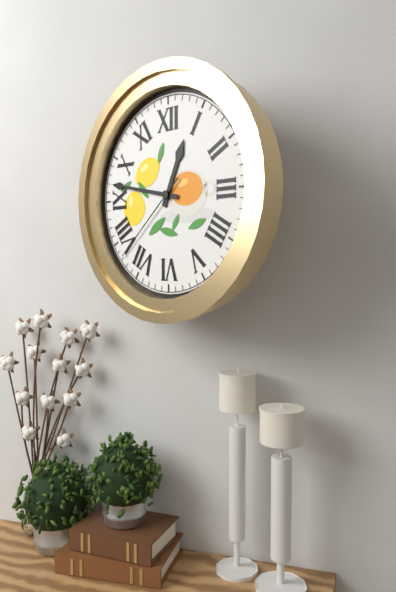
**12:47:38**
